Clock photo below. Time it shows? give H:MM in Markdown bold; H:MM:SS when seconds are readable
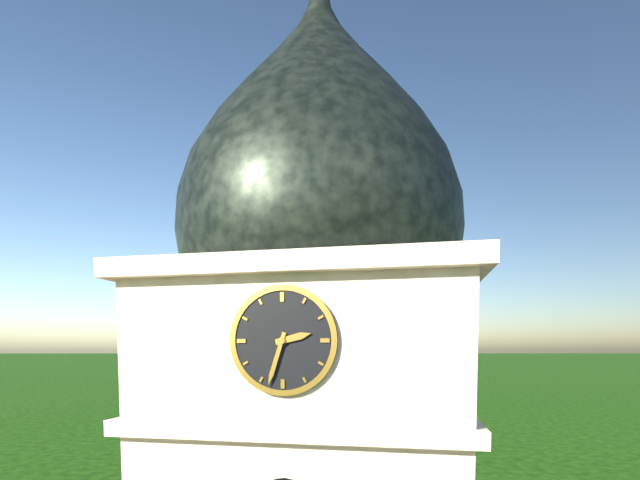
**2:33**
